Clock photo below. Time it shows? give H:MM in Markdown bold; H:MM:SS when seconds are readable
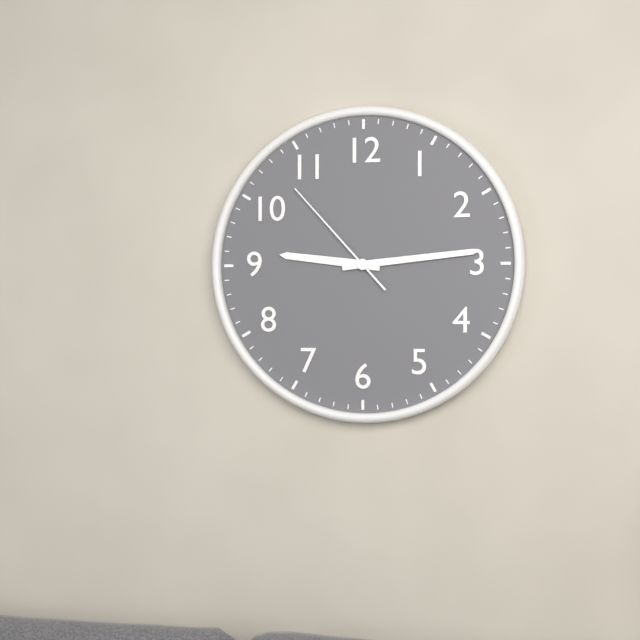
**9:14:53**
